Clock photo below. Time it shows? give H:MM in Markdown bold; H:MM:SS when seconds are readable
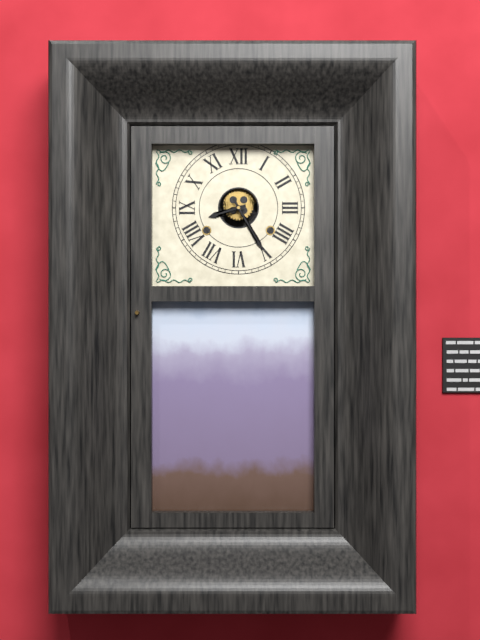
**8:25**
